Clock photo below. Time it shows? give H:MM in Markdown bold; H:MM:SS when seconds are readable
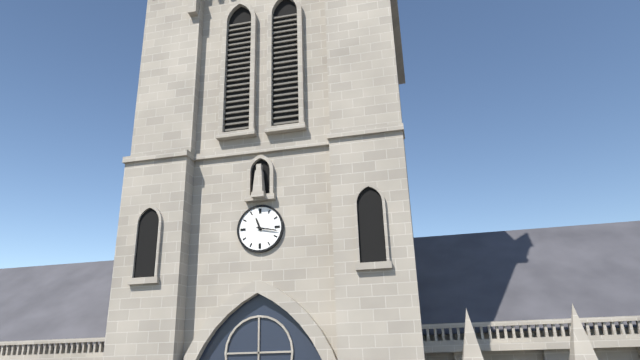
**11:17**
